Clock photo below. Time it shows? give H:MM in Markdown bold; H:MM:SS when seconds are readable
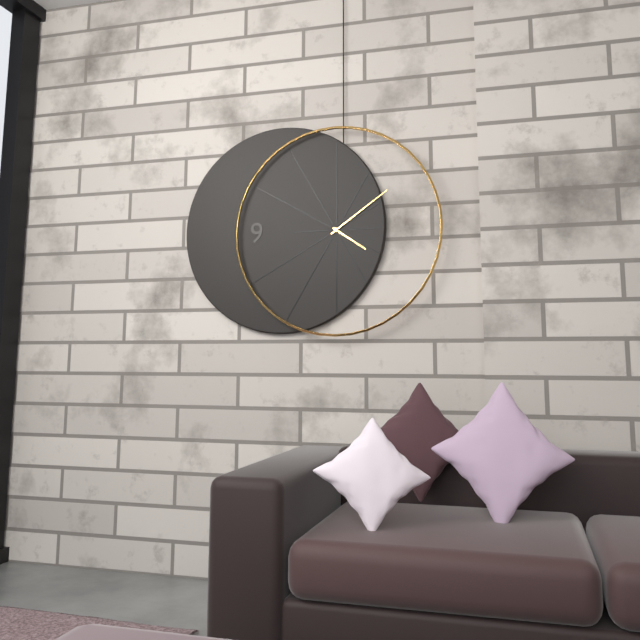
**4:09**
